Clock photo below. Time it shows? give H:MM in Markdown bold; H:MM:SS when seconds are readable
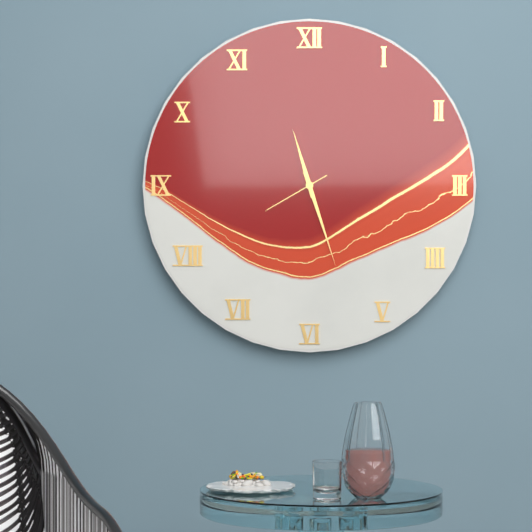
**11:27:40**
